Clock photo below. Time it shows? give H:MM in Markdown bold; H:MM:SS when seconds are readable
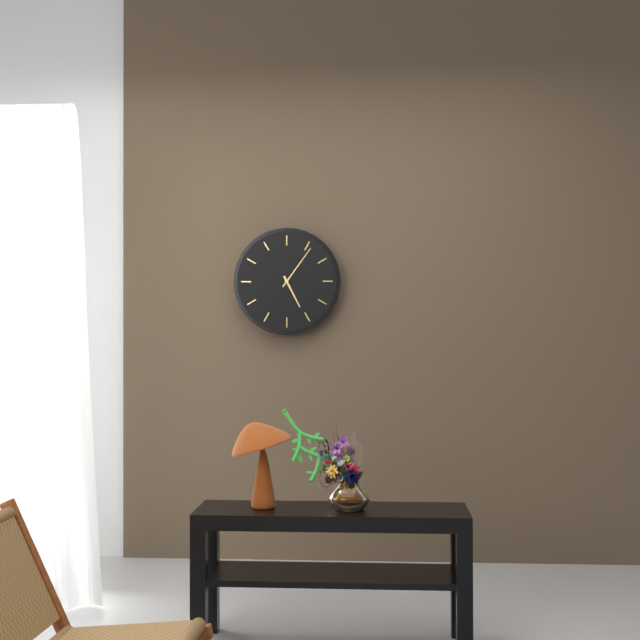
**5:06**
